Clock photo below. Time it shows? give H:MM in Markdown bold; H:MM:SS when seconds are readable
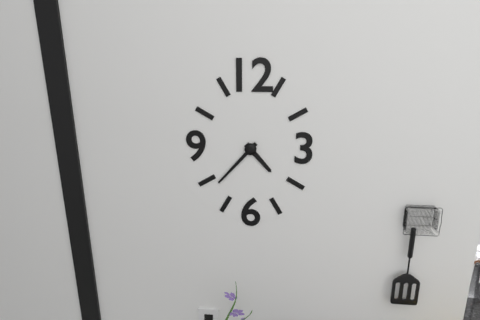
**4:37**
